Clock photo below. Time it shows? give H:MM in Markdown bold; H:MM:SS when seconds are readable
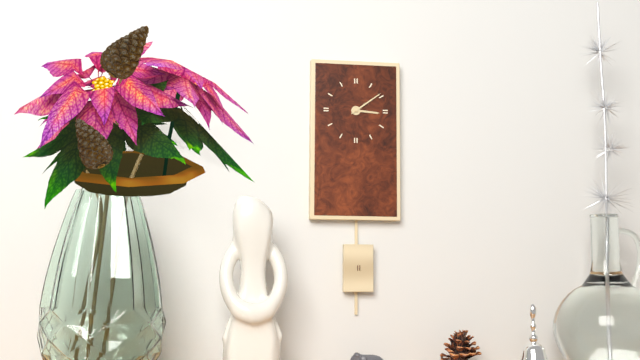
**3:09**
